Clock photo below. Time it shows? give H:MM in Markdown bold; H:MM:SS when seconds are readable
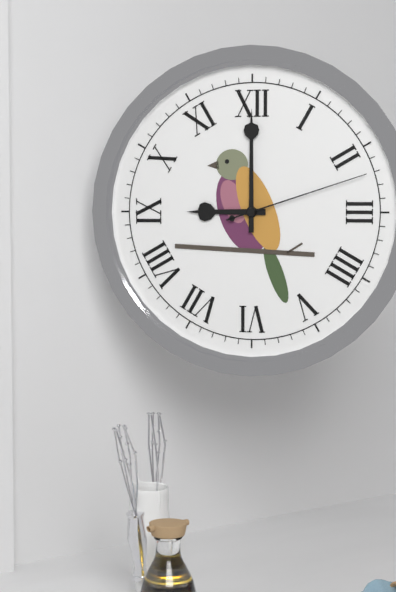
**9:00:12**
